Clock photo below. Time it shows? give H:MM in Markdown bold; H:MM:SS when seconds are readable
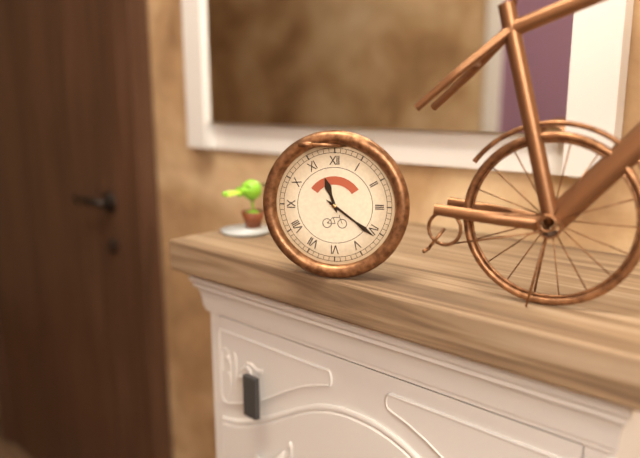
**11:21**
